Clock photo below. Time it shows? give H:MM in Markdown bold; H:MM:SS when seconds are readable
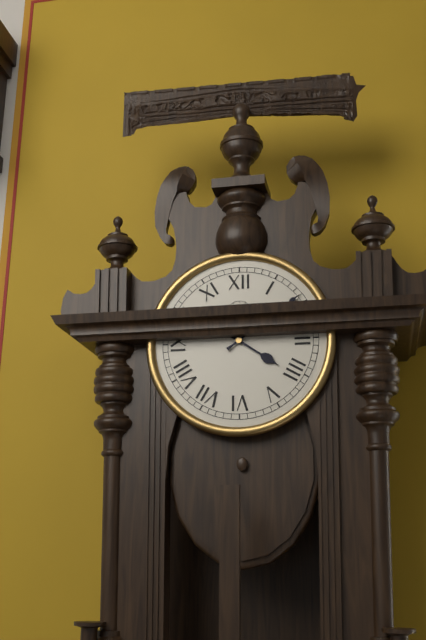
**4:09**
